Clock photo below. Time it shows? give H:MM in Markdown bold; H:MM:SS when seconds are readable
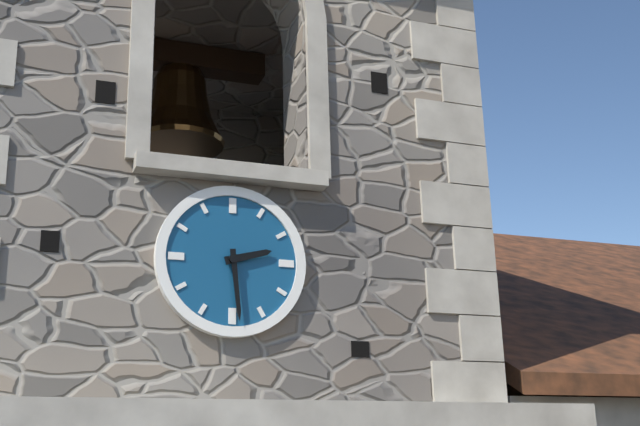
**2:29**
